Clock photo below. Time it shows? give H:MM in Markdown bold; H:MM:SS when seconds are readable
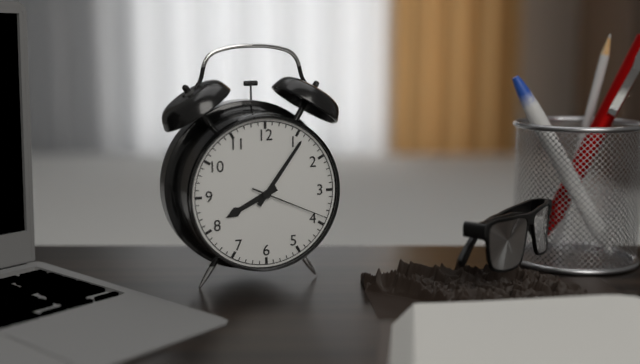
**8:06:19**
